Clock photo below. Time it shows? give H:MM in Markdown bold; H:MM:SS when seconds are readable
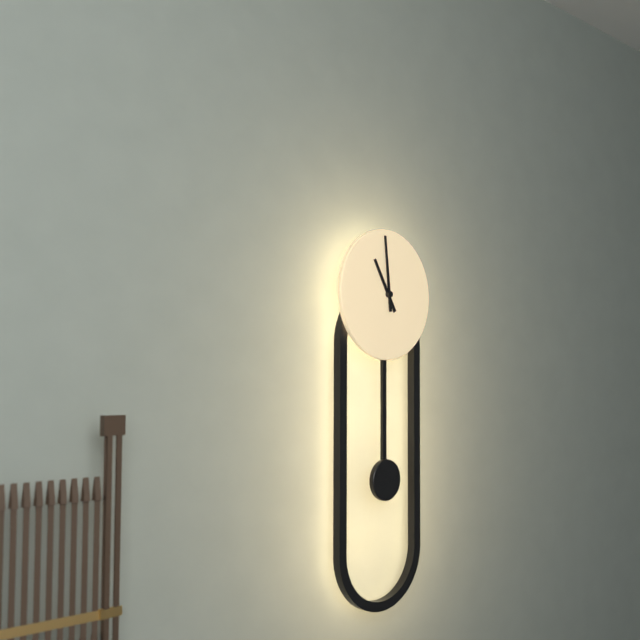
**10:59**
